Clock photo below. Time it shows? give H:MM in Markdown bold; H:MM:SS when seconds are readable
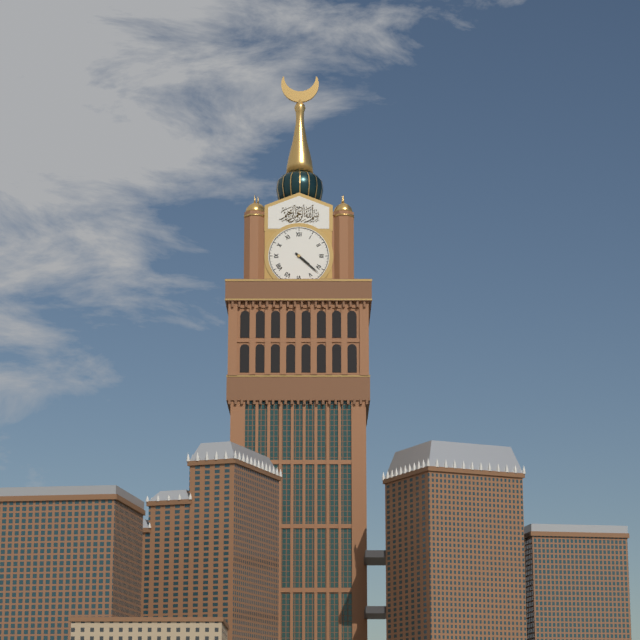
**4:22**
